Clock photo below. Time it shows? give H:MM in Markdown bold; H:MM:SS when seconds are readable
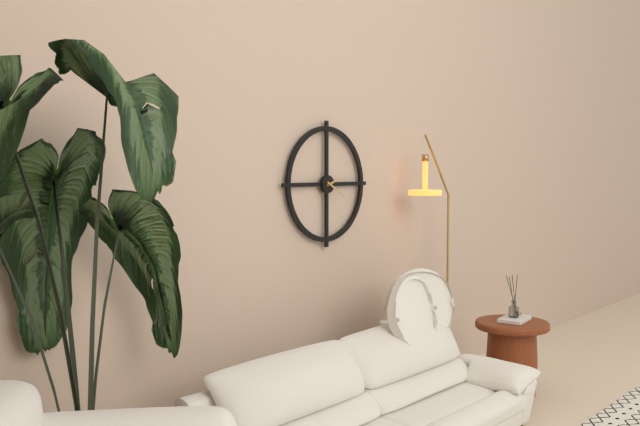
**2:20**
